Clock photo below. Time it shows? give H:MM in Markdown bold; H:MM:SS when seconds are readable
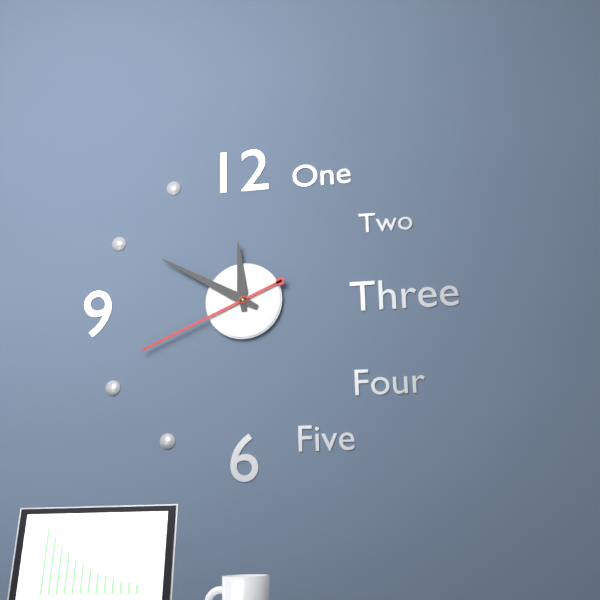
**11:50:41**
